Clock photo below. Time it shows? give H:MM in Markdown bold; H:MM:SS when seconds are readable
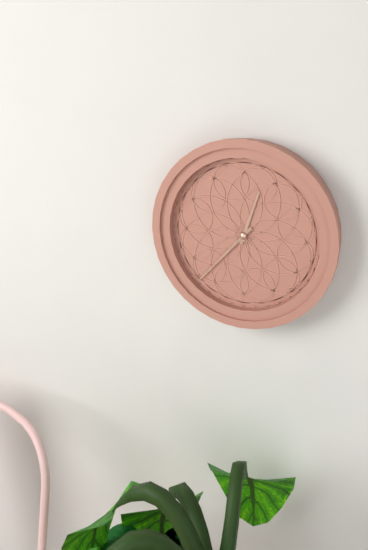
**12:37**
